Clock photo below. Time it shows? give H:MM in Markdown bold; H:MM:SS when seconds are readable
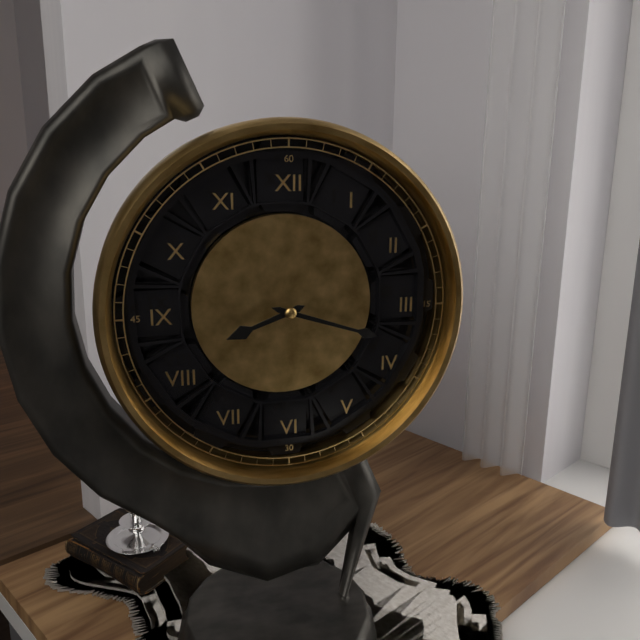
**8:18**
